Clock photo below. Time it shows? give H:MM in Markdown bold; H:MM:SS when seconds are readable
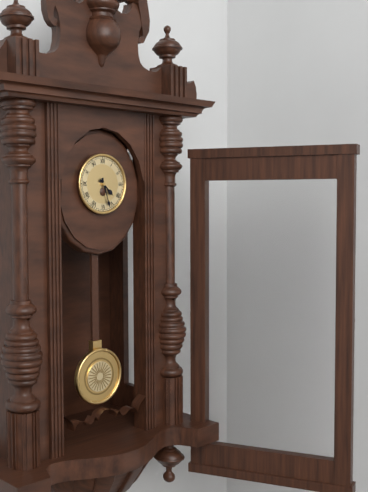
**4:27**
